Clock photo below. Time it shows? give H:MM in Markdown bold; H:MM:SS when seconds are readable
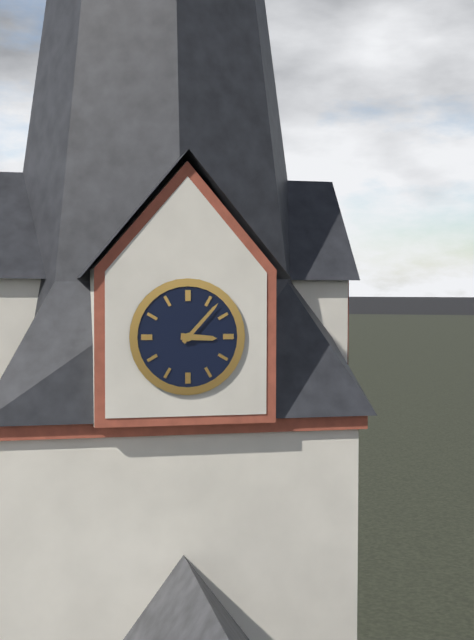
**3:07**
